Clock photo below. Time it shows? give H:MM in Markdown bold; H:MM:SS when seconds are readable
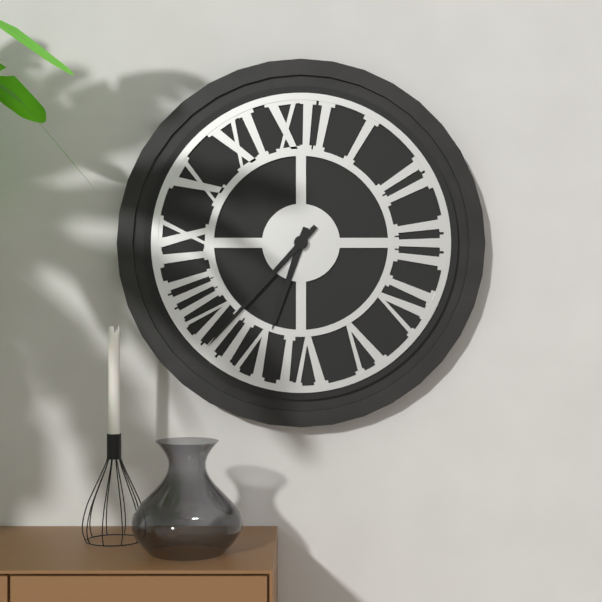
**6:37**
